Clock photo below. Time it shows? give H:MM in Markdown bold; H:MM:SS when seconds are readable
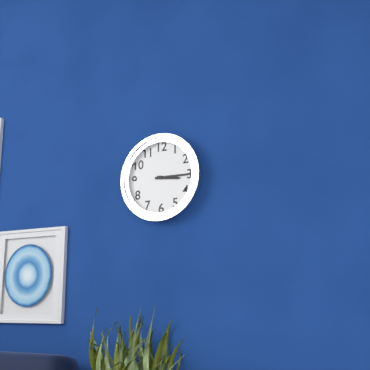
**3:15**
